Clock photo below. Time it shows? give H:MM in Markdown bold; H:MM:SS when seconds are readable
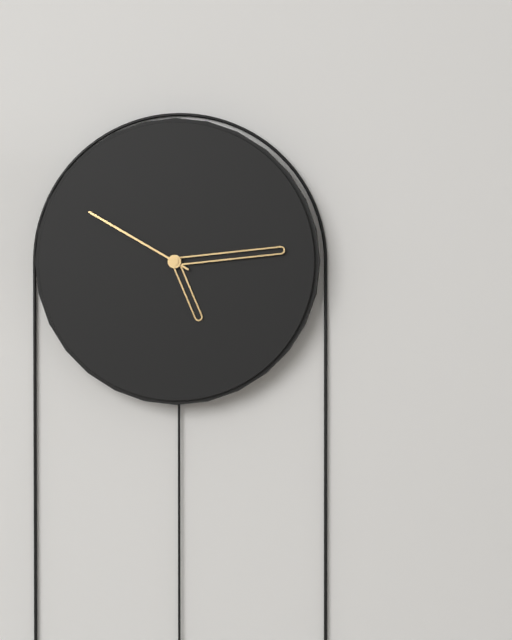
**5:14:50**
